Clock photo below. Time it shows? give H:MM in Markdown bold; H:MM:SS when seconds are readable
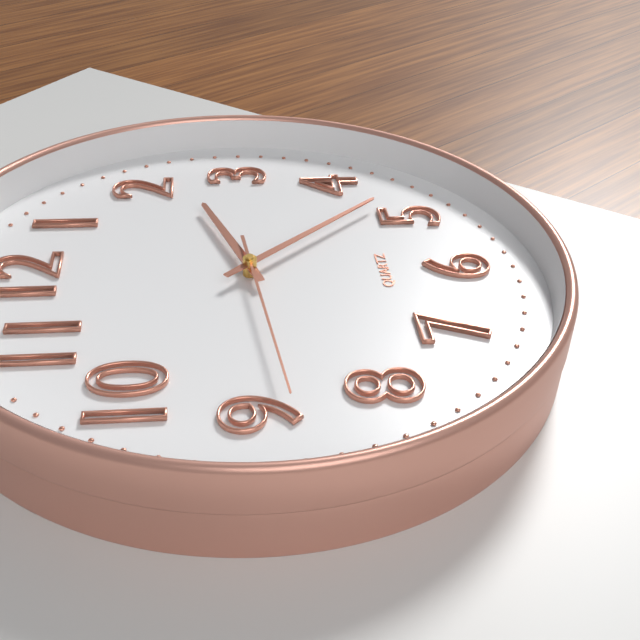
**2:23:44**
